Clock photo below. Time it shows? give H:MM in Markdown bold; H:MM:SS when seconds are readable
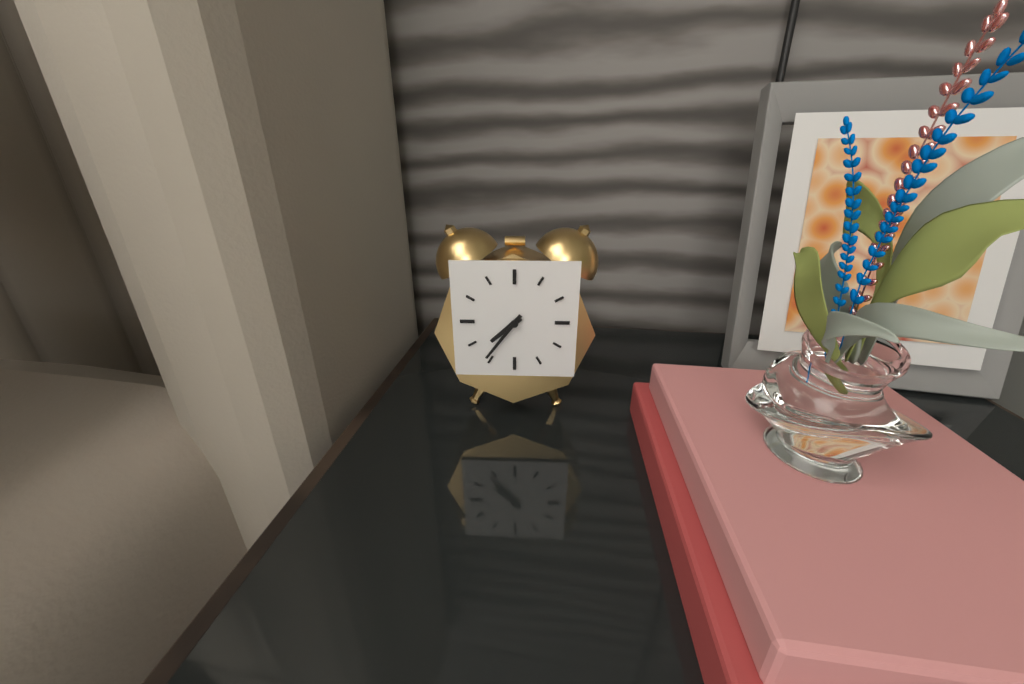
**7:36**
